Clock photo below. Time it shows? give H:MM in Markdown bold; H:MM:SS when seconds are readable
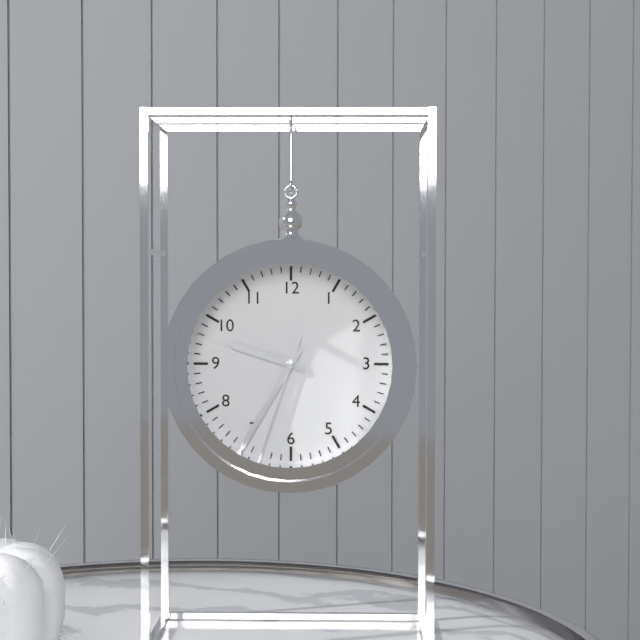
**9:35:33**
